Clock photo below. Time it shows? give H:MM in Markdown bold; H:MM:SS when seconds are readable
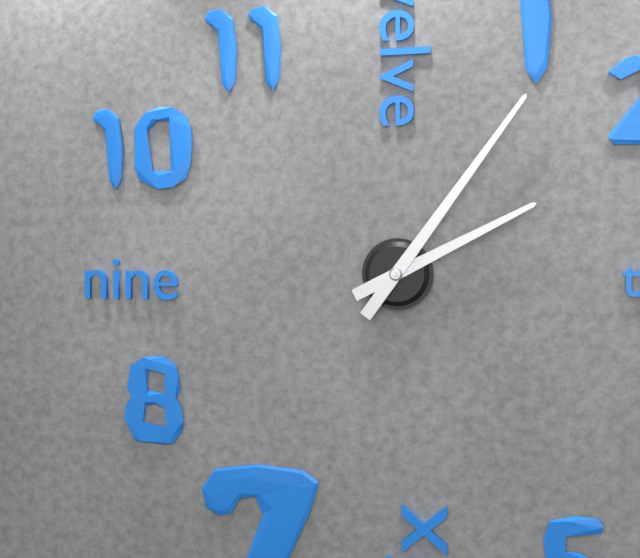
**2:06**
